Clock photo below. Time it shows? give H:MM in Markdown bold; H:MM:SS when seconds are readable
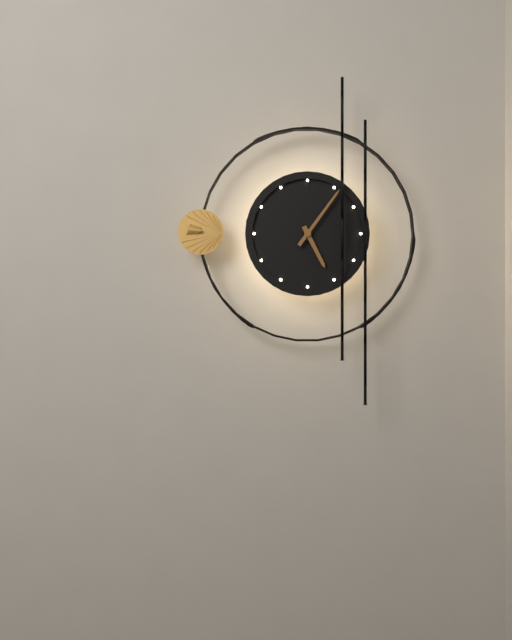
**5:06**
